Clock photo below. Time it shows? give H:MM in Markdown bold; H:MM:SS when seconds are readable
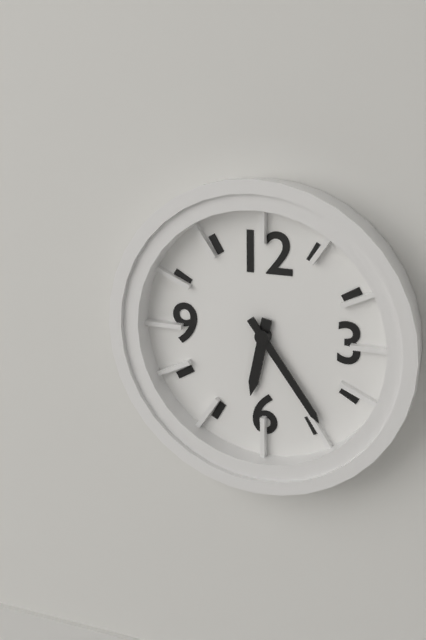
**6:24**
